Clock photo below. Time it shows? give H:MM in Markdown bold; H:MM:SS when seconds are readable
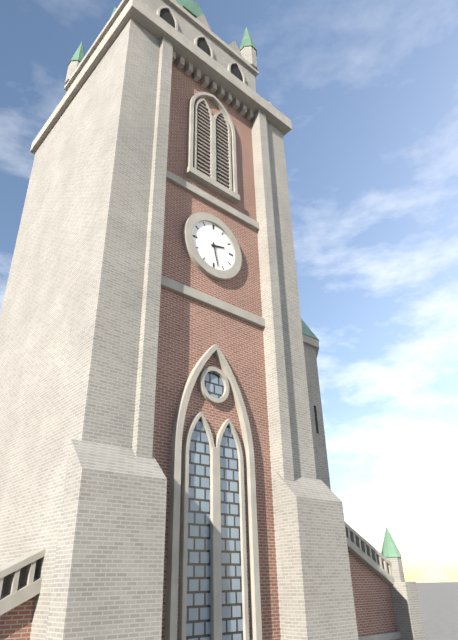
**2:28**
